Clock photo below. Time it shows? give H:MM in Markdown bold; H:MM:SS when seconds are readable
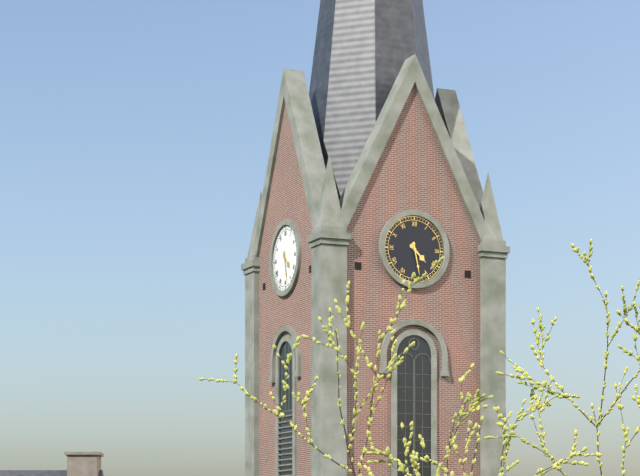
**4:28**
